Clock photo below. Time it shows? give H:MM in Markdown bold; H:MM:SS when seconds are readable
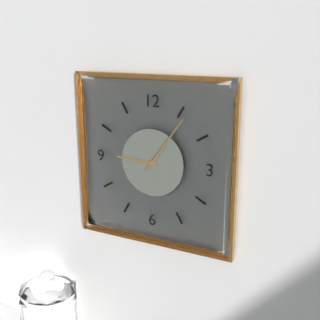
**9:06**
